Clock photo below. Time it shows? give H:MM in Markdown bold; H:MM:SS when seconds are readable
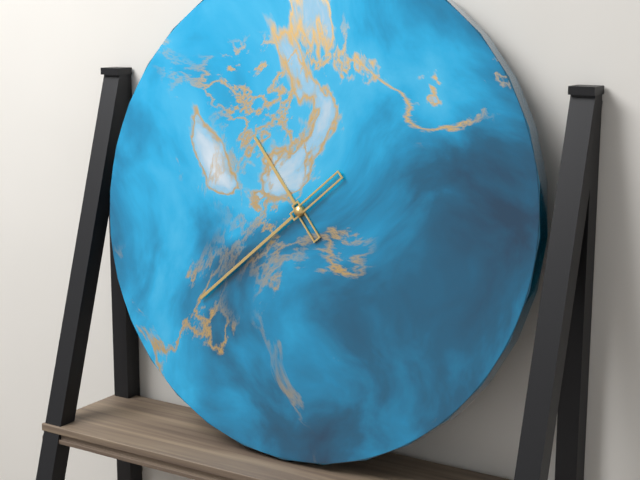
**10:38**
